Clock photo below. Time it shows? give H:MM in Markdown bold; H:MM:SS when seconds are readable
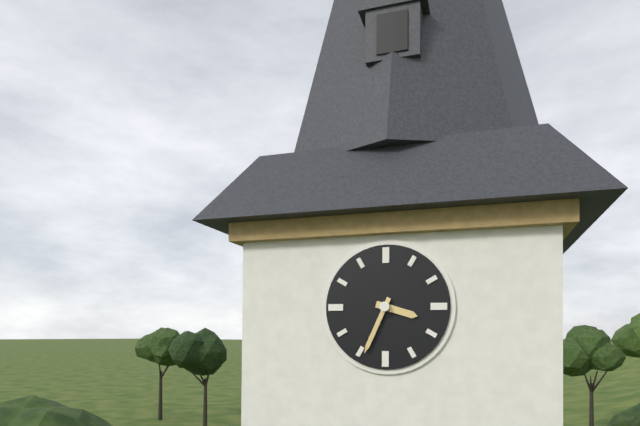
**3:34**
